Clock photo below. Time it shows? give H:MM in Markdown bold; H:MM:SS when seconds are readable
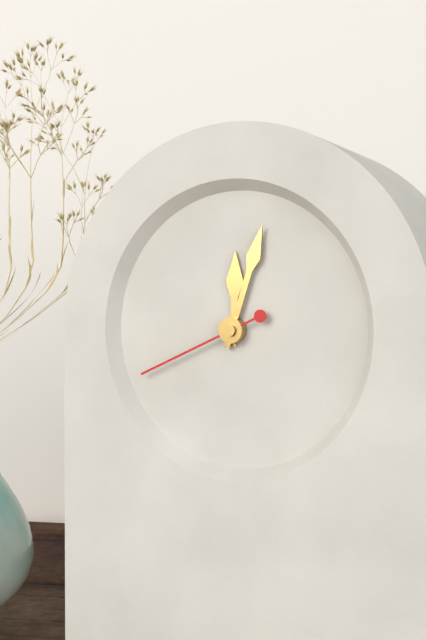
**12:03:41**
